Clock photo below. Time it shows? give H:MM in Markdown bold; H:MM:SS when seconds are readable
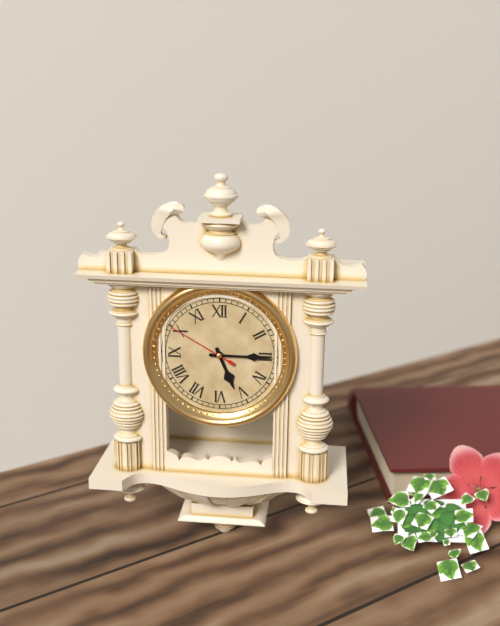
**5:15:50**
